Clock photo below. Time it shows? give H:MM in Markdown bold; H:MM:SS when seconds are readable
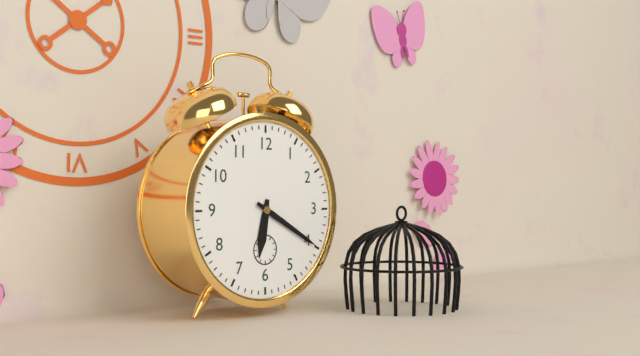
**6:20**
